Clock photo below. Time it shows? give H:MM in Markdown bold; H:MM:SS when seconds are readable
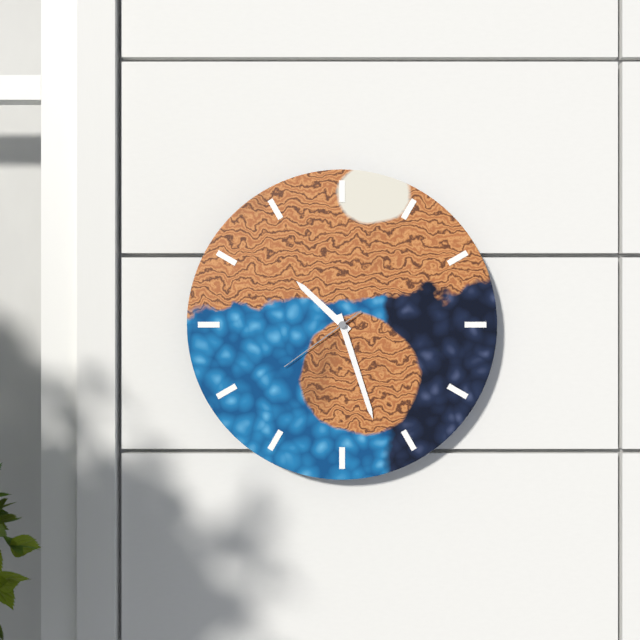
**10:27:39**
